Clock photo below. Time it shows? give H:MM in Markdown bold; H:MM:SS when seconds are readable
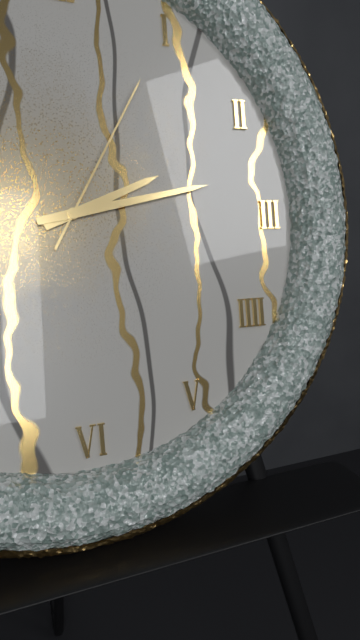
**2:13:05**
